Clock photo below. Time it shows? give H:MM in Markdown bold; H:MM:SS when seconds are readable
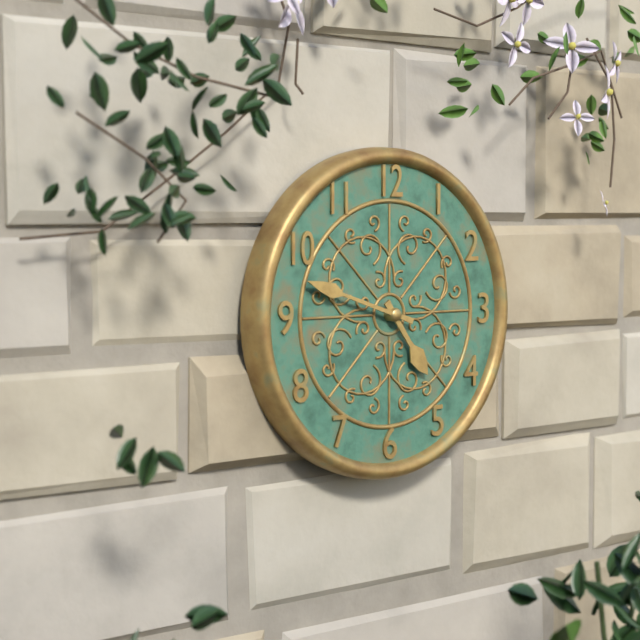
**4:48**
